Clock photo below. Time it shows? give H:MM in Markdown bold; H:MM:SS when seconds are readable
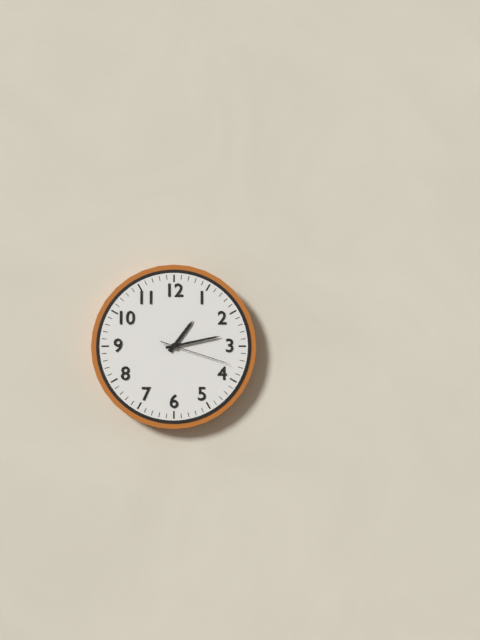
**1:13:18**
